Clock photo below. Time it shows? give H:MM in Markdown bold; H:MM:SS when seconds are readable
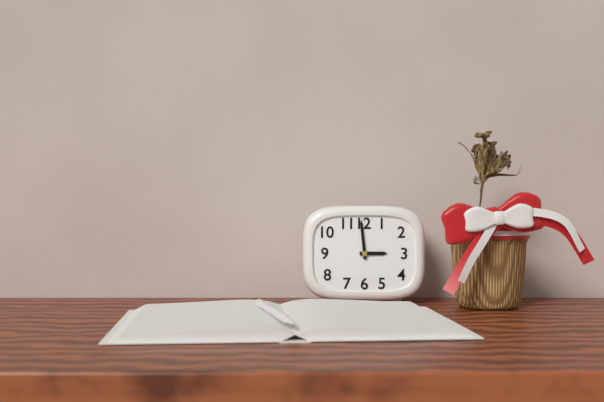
**2:59**
